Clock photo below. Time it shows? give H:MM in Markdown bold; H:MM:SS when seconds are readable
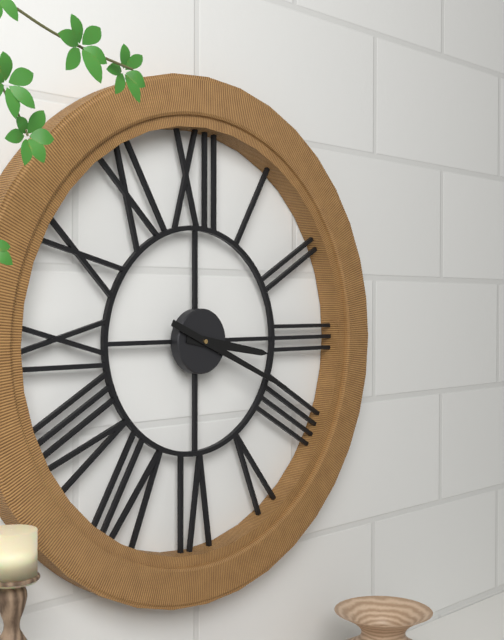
**3:19**
